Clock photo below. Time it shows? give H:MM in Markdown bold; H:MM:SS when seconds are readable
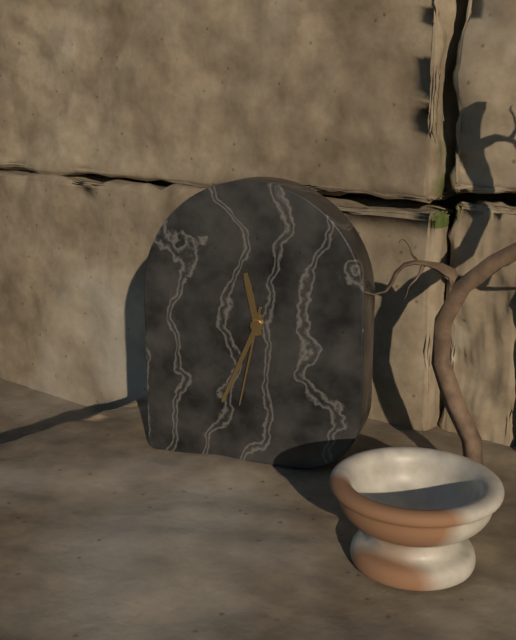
**11:34:32**
